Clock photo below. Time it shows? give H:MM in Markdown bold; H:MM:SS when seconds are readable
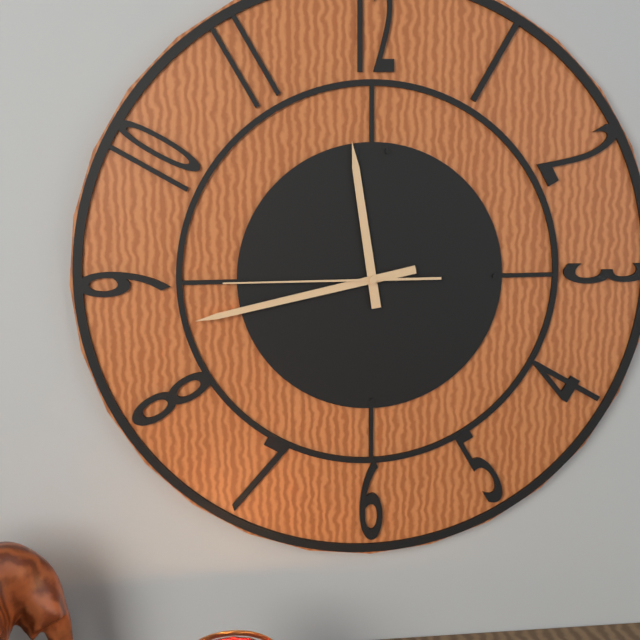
**11:43:45**
